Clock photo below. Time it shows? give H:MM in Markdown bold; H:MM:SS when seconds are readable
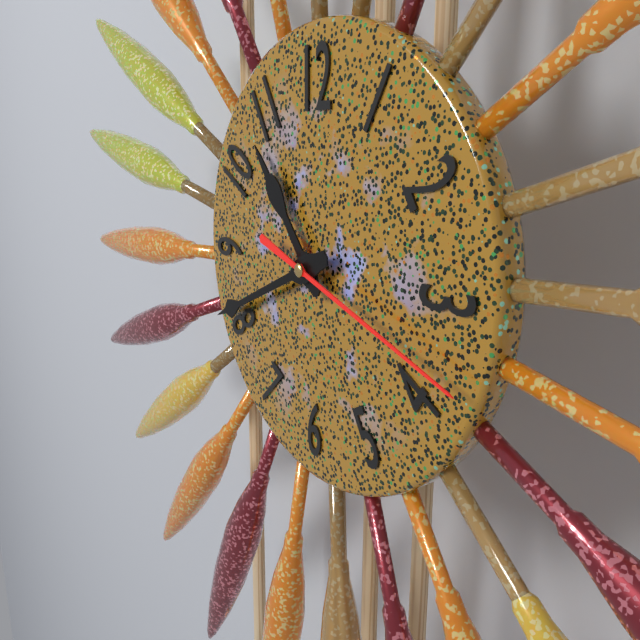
**10:41:18**
